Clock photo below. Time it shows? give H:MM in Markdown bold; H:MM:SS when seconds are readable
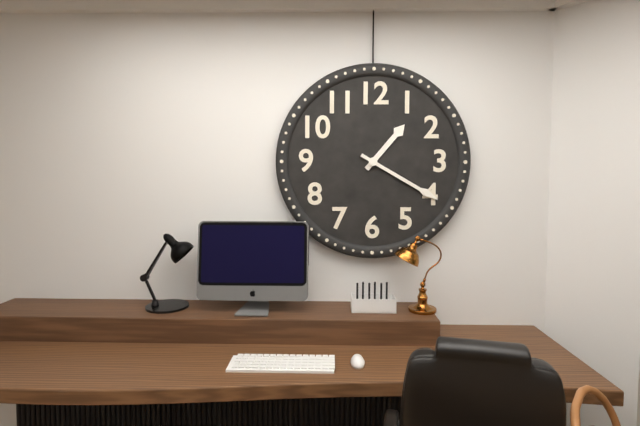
**1:20**
